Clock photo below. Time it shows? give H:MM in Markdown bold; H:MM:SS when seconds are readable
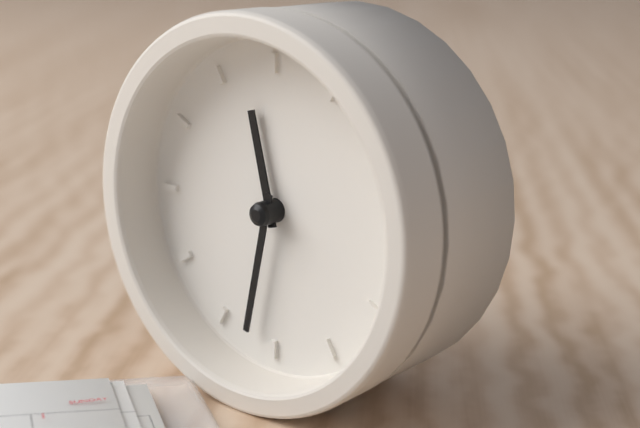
**11:32**
